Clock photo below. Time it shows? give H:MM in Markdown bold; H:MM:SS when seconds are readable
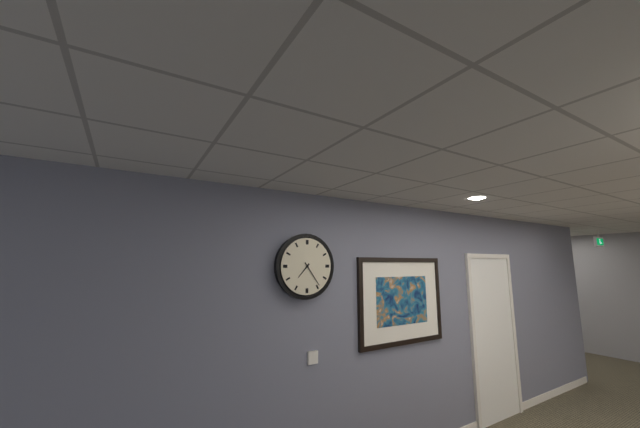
**7:24**
